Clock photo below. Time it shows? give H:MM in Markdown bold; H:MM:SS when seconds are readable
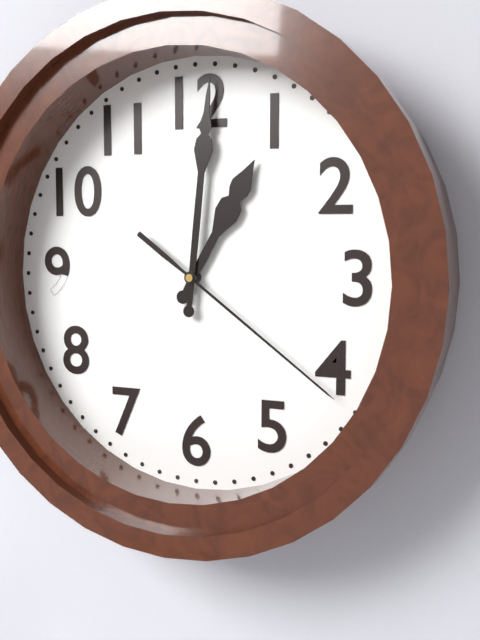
**1:01:21**
